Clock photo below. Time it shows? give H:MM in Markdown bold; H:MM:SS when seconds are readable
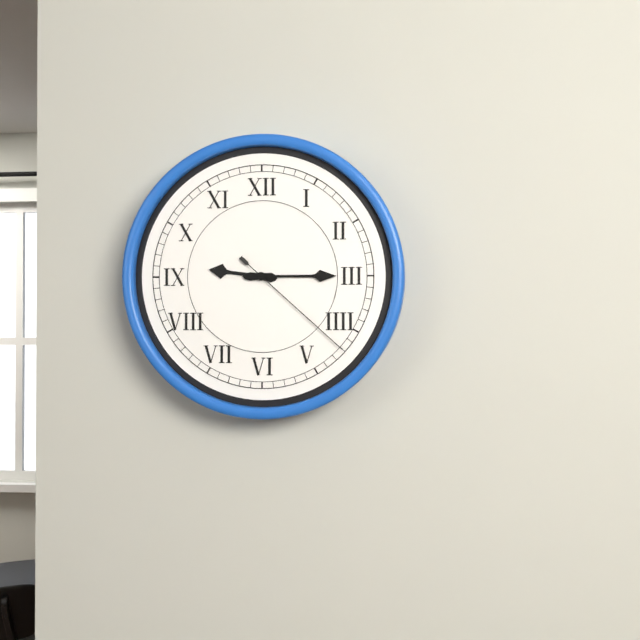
**9:15:22**
